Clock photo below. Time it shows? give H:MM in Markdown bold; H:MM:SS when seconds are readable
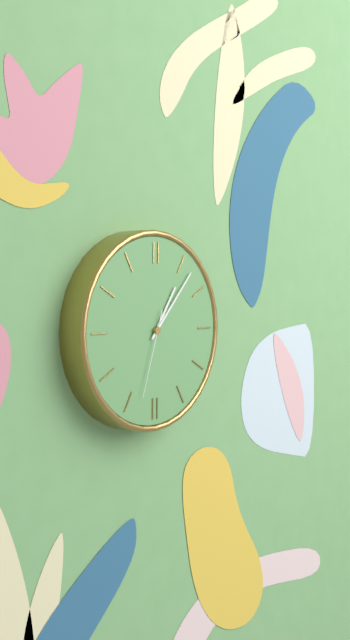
**1:07:33**
